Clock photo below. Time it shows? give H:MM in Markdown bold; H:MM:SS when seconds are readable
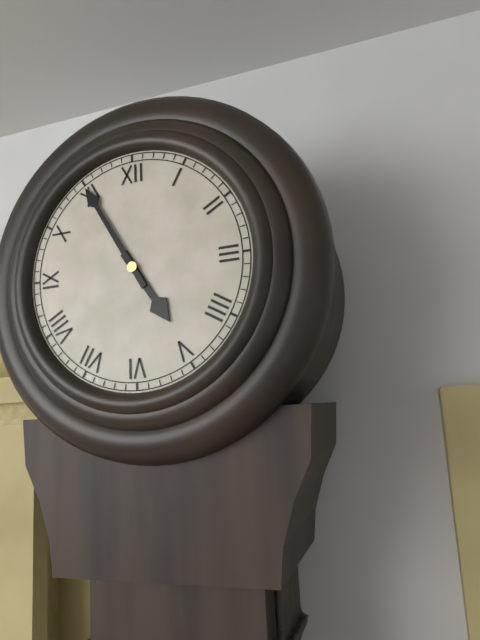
**4:55**
